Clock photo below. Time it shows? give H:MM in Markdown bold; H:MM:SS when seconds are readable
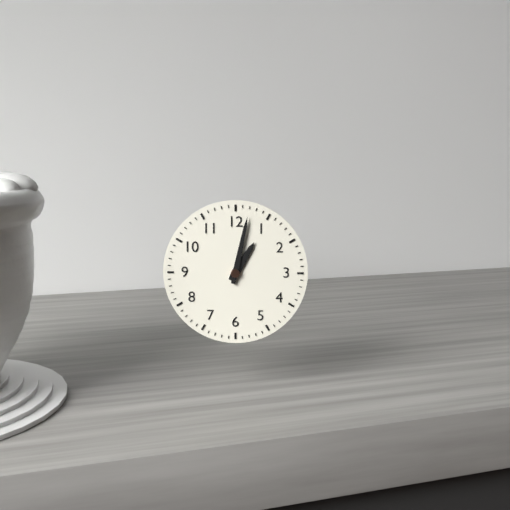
**1:02**
